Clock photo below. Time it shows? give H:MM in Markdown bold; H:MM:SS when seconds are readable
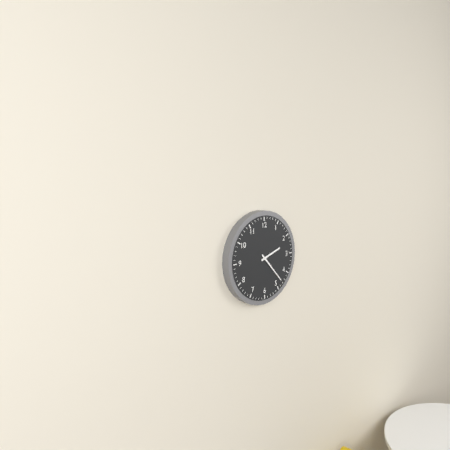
**2:23**
